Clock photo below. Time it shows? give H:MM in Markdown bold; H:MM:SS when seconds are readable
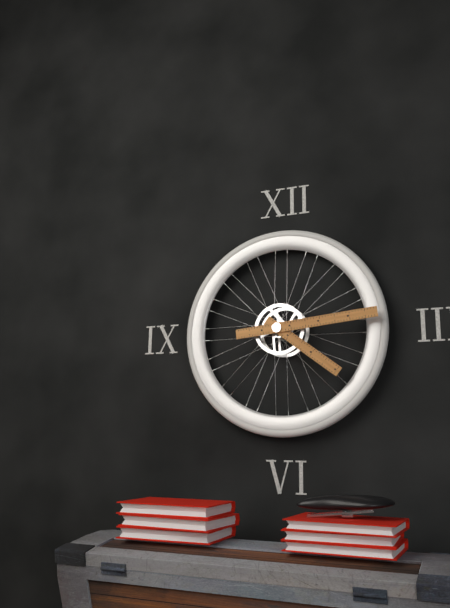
**4:14**
